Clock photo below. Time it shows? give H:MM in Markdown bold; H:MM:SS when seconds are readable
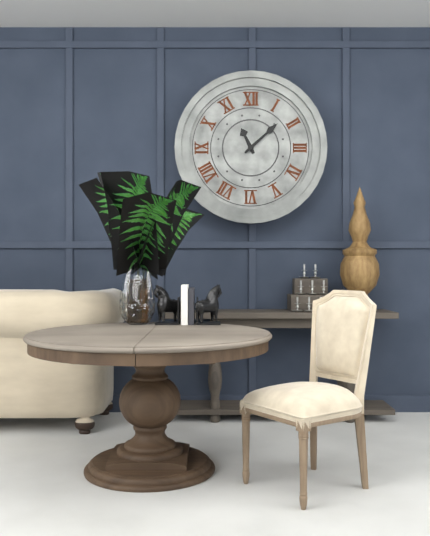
**11:08**
